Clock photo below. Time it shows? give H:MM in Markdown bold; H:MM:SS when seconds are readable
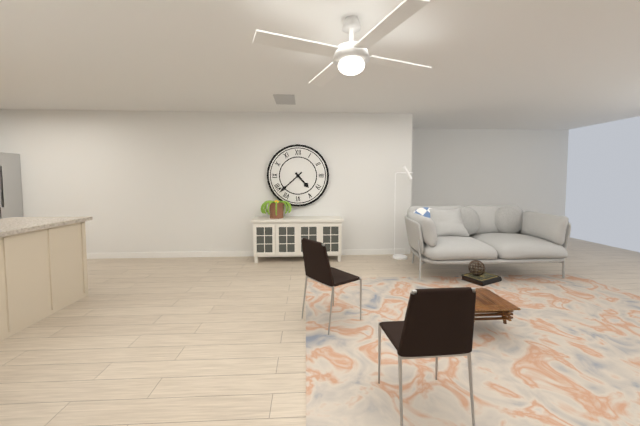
**4:38**
